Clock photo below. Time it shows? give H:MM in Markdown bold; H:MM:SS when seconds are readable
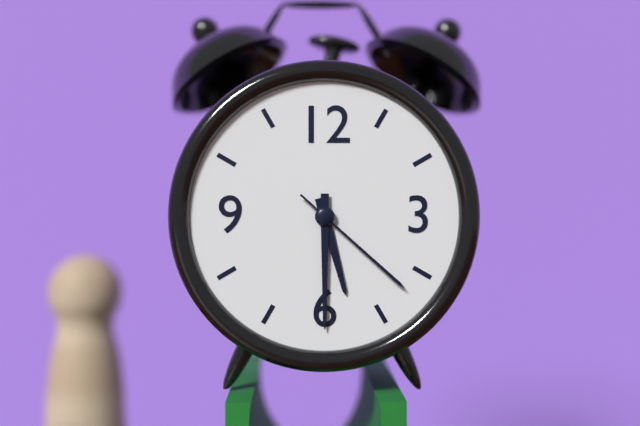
**5:30:22**
